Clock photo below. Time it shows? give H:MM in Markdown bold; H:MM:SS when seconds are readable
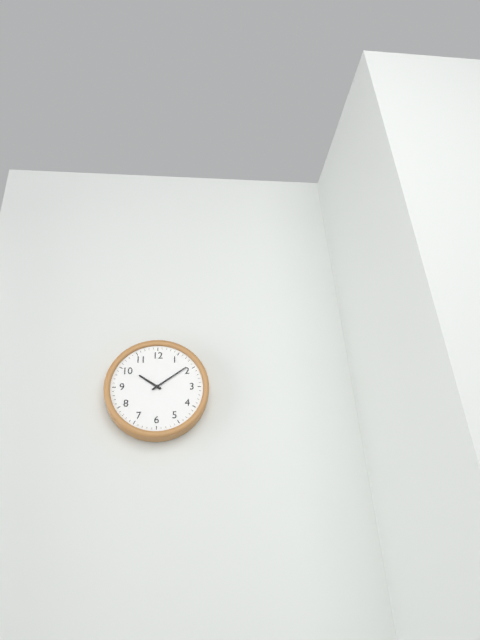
**10:09**
